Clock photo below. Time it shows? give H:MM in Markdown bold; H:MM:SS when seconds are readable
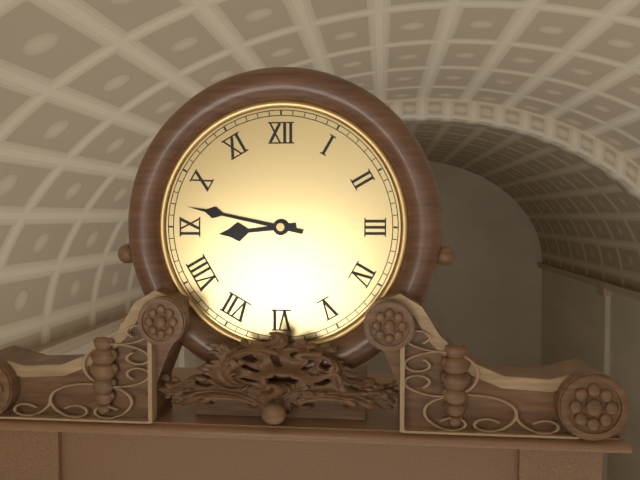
**8:47**
